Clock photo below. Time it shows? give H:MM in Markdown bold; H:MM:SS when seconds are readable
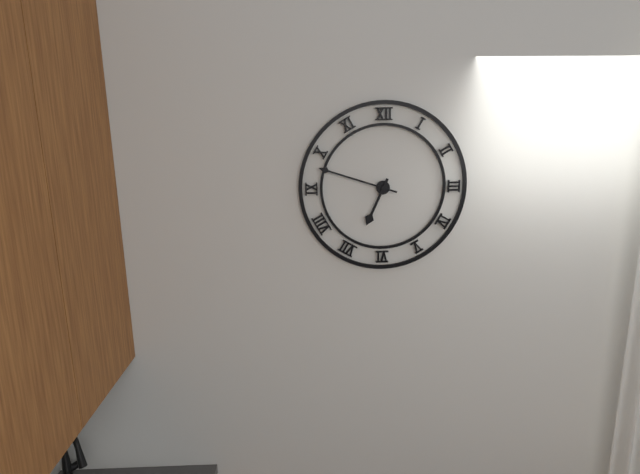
**6:48**
